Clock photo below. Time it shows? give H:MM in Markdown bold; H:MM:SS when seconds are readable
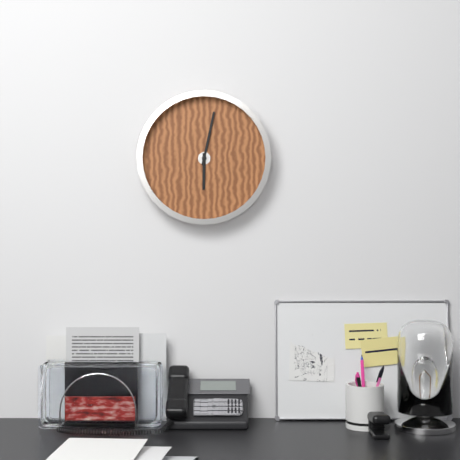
**6:02**
